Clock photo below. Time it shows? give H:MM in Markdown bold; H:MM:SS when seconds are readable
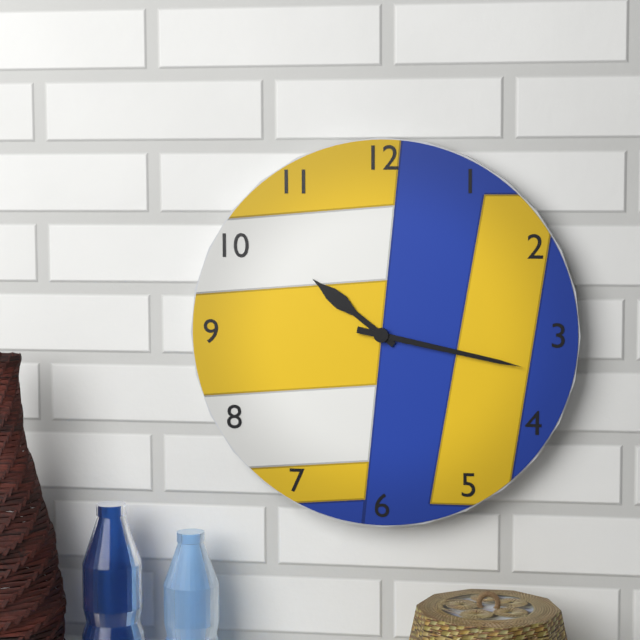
**10:17**
